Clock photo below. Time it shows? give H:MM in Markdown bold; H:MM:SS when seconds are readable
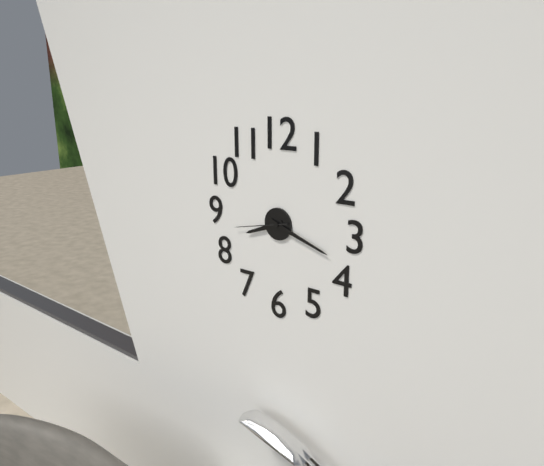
**8:18:43**
